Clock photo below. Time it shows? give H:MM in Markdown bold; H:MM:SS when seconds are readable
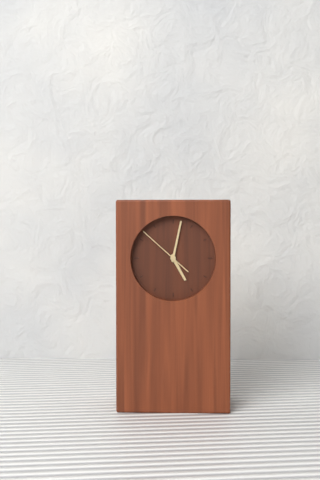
**5:02:52**
